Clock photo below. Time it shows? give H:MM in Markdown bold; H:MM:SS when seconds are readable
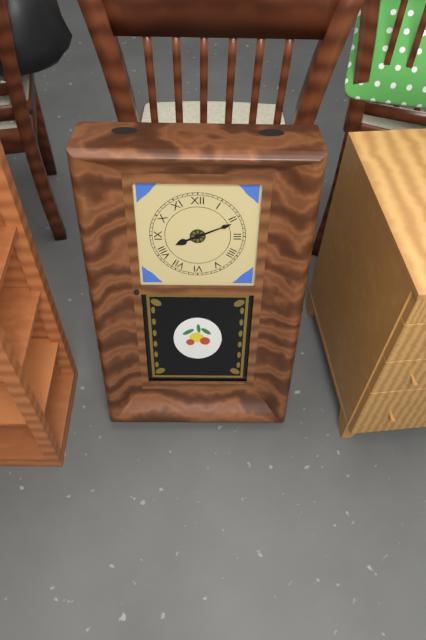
**8:11**
